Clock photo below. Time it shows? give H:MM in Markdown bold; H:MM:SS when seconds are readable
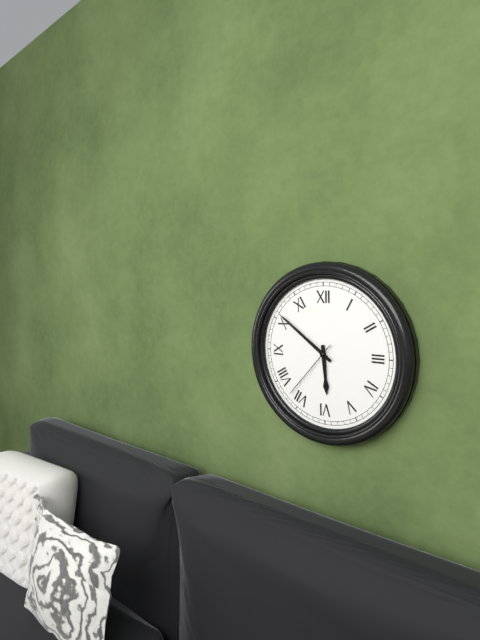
**5:51:37**
